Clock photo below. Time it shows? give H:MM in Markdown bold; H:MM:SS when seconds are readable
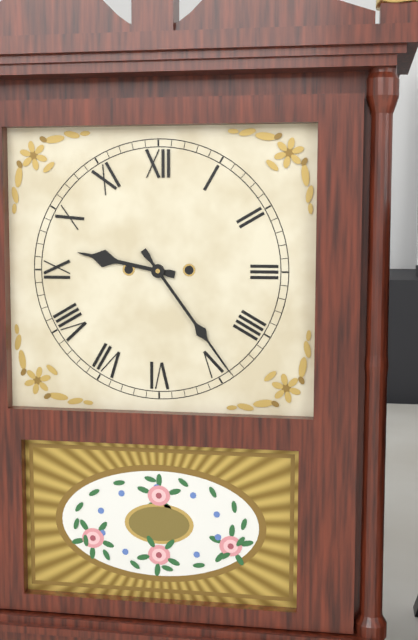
**9:24**
